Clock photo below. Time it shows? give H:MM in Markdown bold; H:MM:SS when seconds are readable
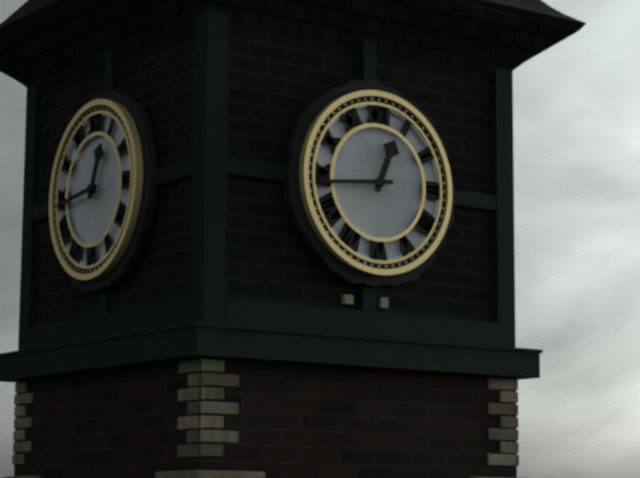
**12:44**
